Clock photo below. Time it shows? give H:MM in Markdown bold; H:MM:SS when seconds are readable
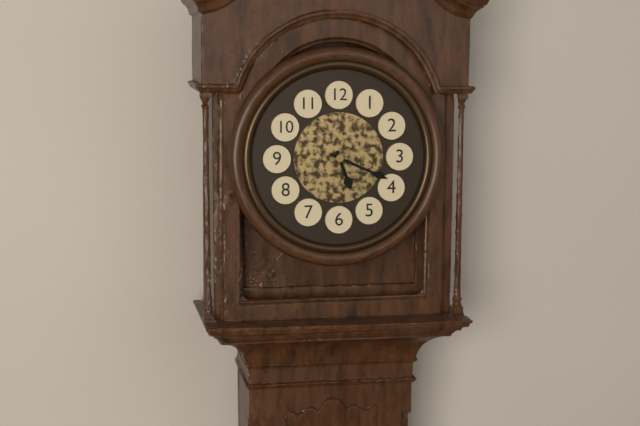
**5:19**
